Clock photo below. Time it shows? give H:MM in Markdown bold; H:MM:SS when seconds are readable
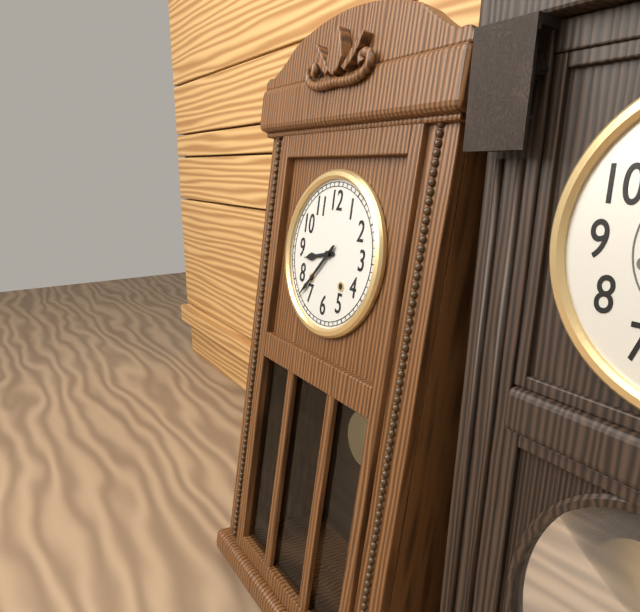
**8:37**
